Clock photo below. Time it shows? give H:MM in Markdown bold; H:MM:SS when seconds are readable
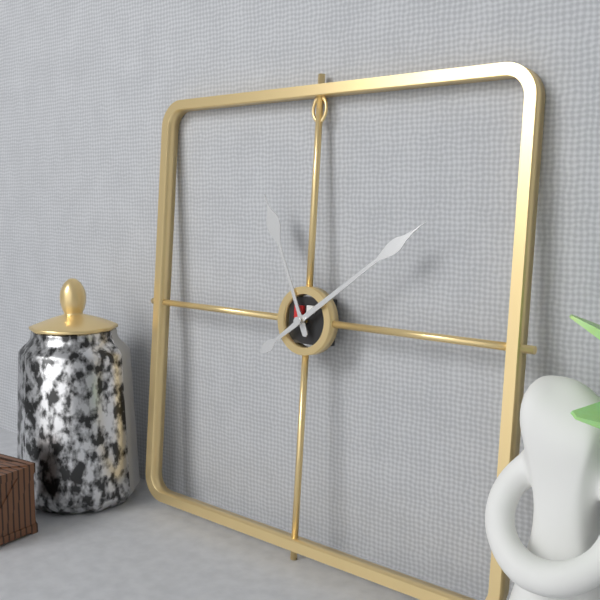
**11:09**
